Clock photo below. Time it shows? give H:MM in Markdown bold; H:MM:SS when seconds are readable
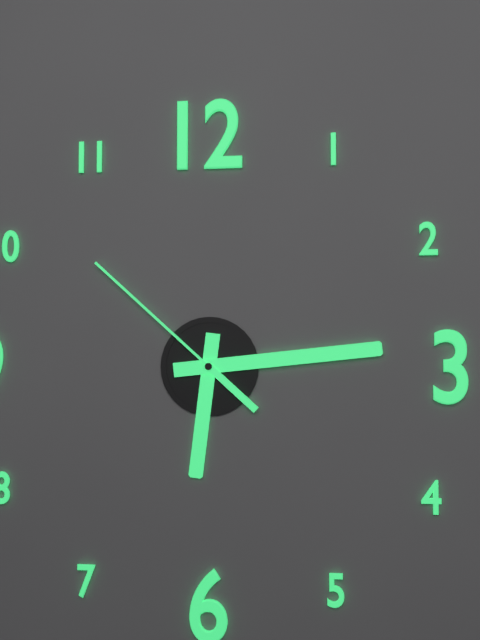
**6:14:52**
